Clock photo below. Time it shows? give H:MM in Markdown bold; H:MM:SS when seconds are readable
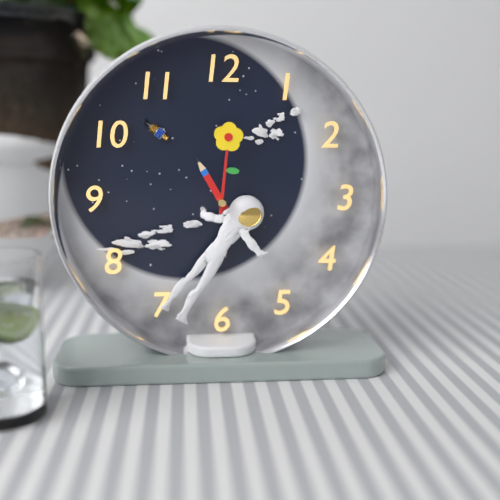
**11:01**
